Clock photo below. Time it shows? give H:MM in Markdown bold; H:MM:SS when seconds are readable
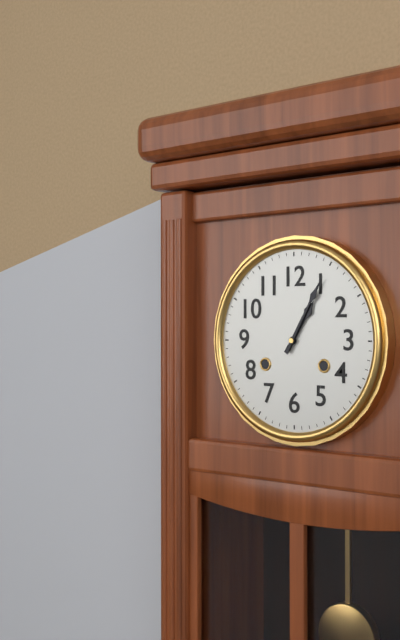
**1:05**
